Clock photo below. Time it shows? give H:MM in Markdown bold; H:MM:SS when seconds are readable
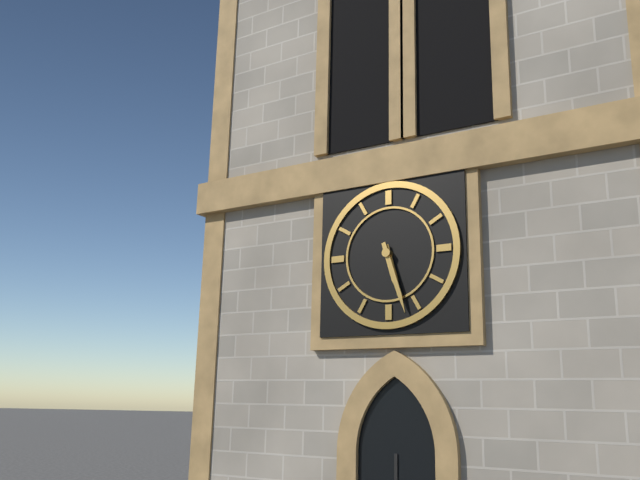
**5:27**
